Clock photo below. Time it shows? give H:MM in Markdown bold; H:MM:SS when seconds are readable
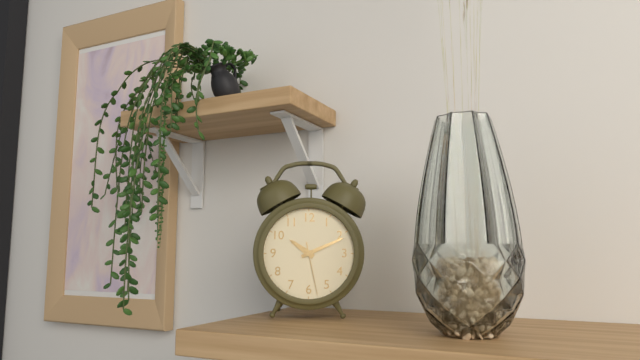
**10:11:28**
